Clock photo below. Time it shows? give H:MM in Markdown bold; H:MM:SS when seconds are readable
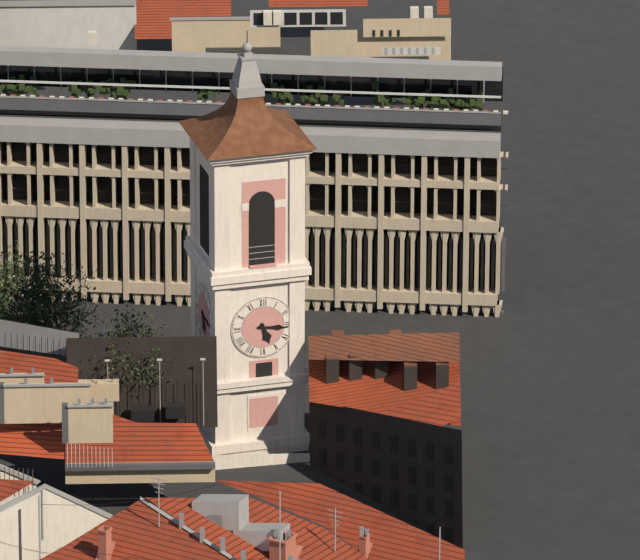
**5:16**
